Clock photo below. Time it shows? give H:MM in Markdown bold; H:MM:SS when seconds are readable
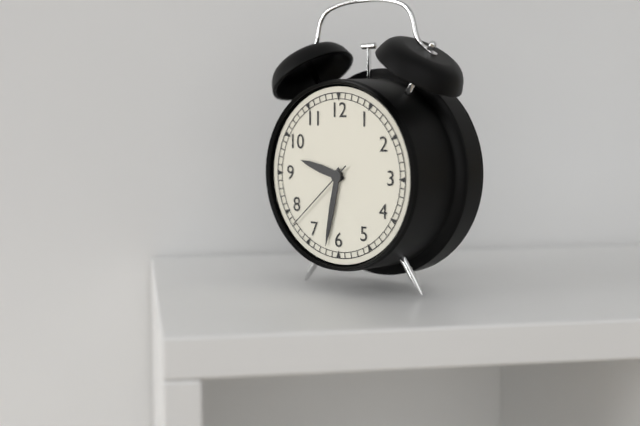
**9:32:38**
